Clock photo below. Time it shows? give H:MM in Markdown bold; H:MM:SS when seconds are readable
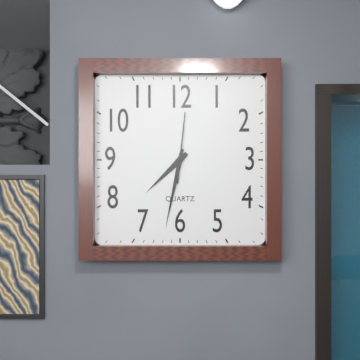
**7:32:01**
